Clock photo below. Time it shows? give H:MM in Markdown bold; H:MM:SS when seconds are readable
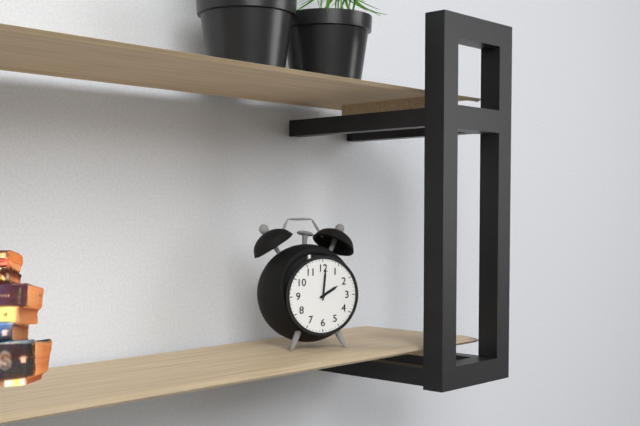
**2:01**
